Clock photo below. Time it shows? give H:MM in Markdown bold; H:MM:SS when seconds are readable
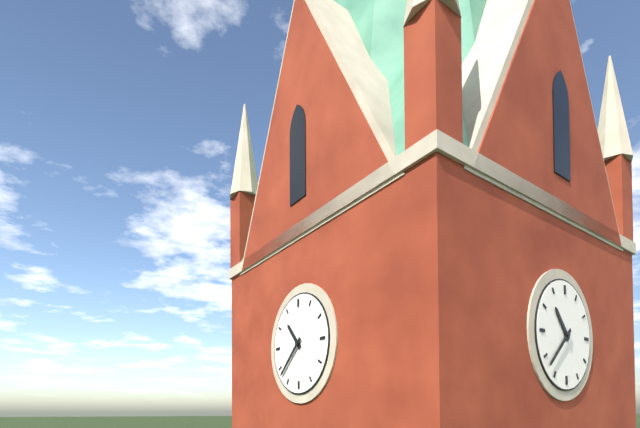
**10:38**
